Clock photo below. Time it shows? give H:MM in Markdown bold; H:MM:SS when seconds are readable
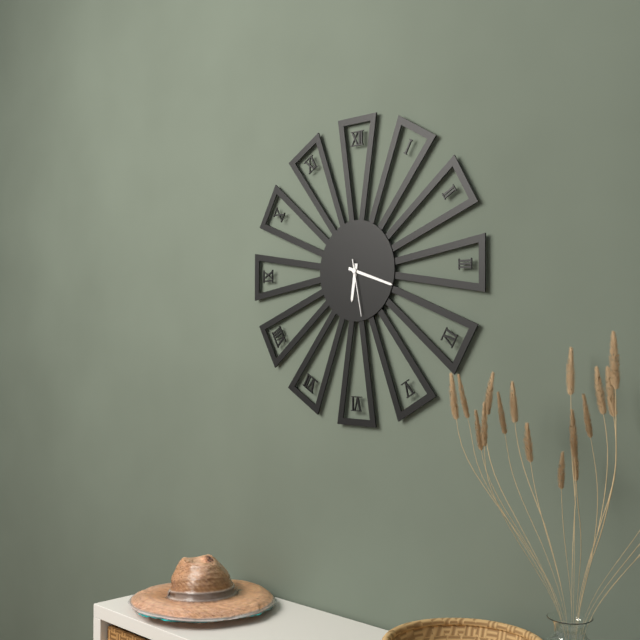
**6:18:28**
